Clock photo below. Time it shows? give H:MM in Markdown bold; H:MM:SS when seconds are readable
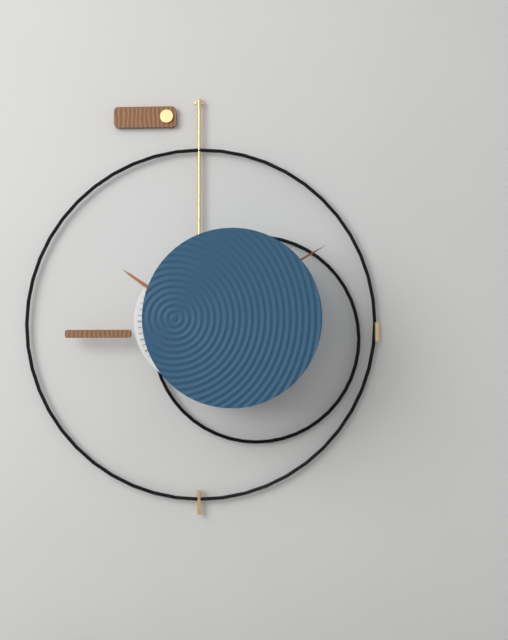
**10:10**
